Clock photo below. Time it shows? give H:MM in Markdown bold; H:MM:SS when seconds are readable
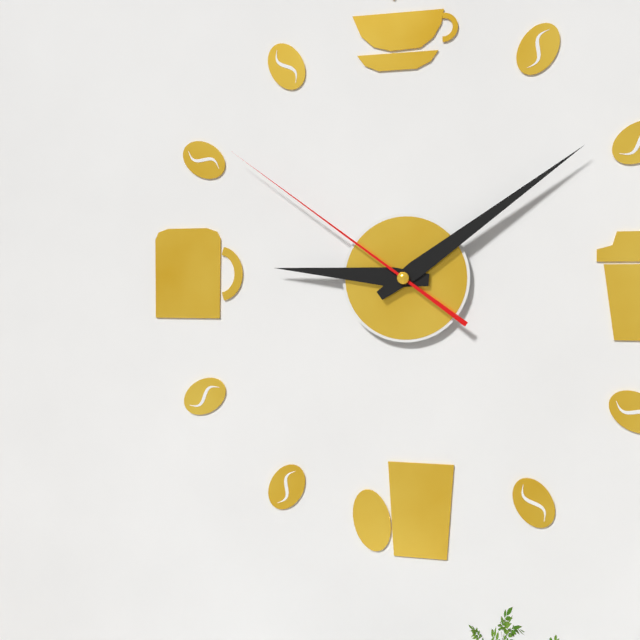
**9:09:51**
